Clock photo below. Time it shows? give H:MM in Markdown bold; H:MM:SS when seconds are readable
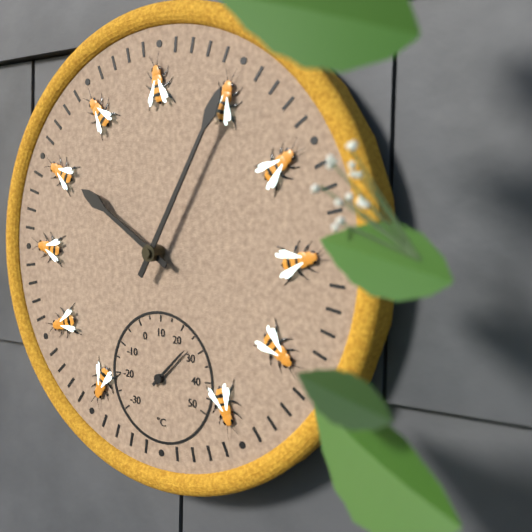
**10:05**
